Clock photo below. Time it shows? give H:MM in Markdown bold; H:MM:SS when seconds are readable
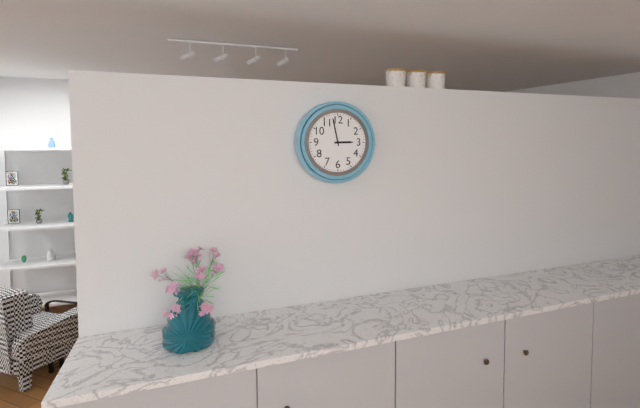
**2:58**
